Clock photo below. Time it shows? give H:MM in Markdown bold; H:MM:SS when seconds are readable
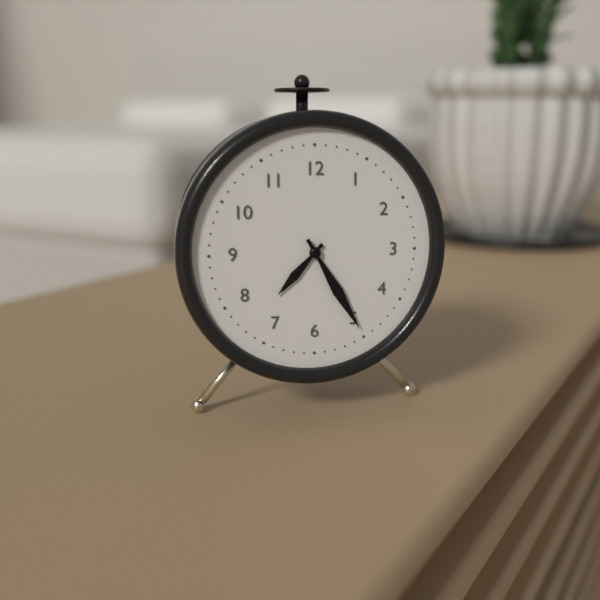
**7:25**
